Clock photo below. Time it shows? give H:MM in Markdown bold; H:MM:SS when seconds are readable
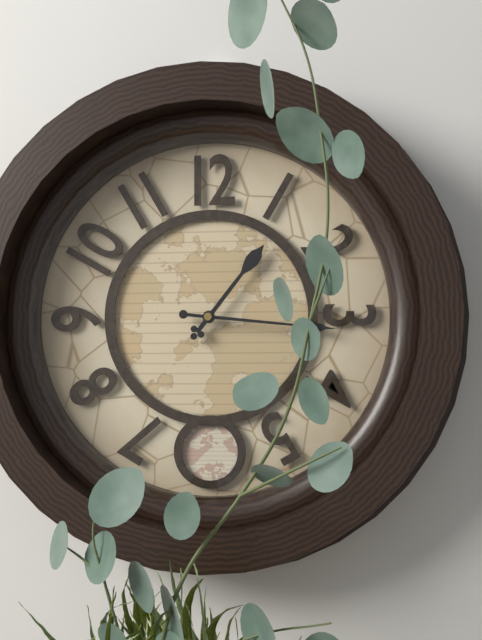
**1:16**
